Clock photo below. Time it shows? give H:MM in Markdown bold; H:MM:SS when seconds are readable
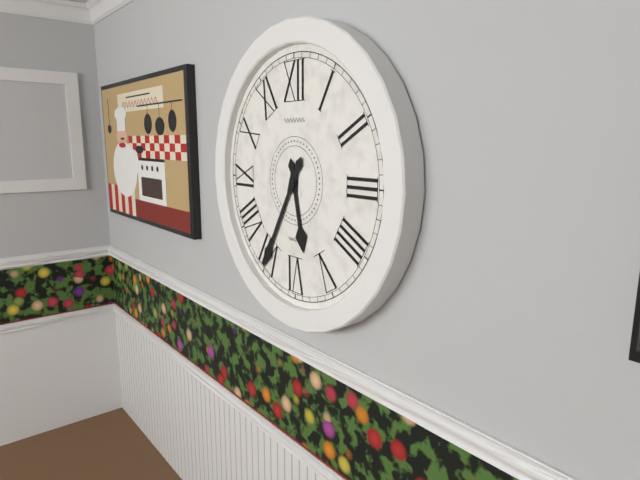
**5:35**
